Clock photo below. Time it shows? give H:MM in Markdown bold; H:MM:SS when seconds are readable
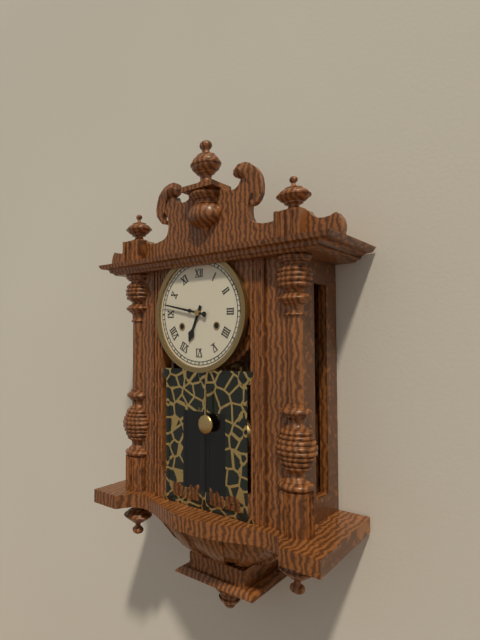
**6:47**
